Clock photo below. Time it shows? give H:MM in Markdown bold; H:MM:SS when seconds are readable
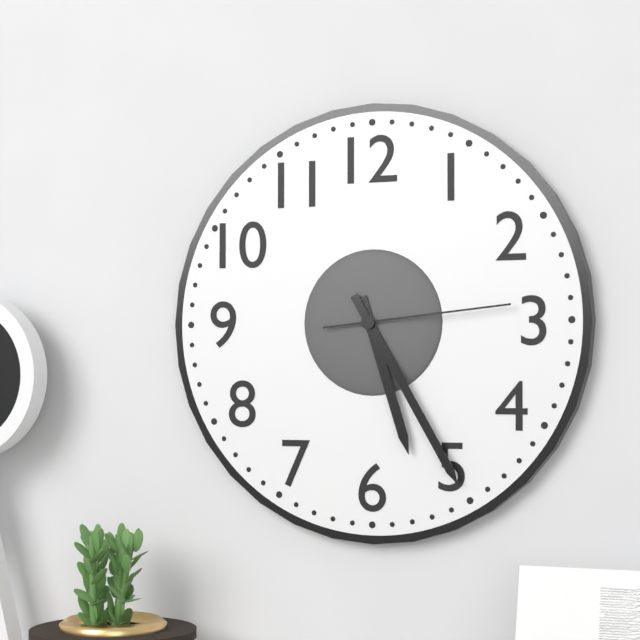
**5:25:14**
